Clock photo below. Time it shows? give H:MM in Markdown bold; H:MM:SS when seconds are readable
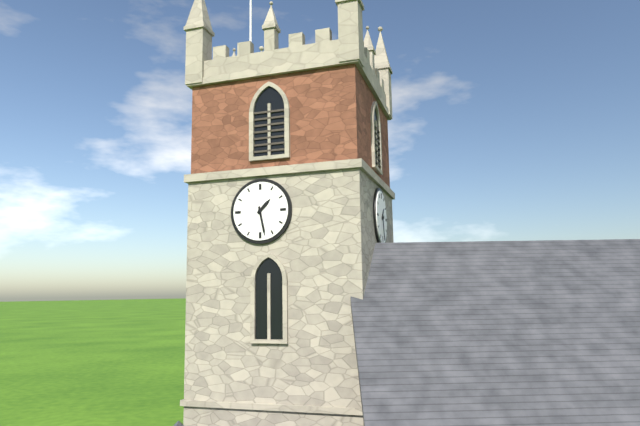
**1:28**
